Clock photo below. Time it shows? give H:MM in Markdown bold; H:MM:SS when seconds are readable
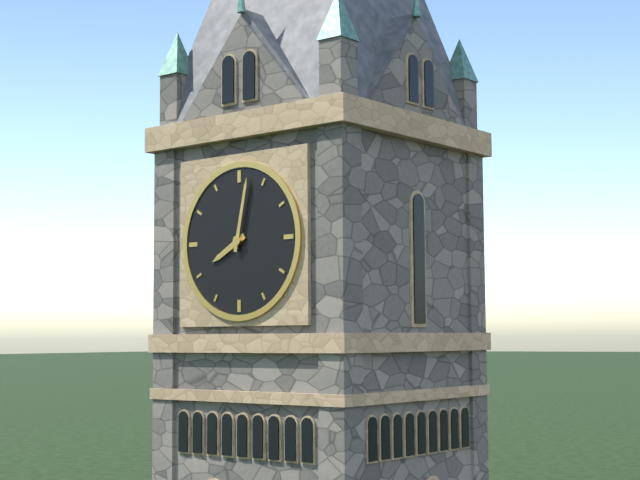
**8:02**
